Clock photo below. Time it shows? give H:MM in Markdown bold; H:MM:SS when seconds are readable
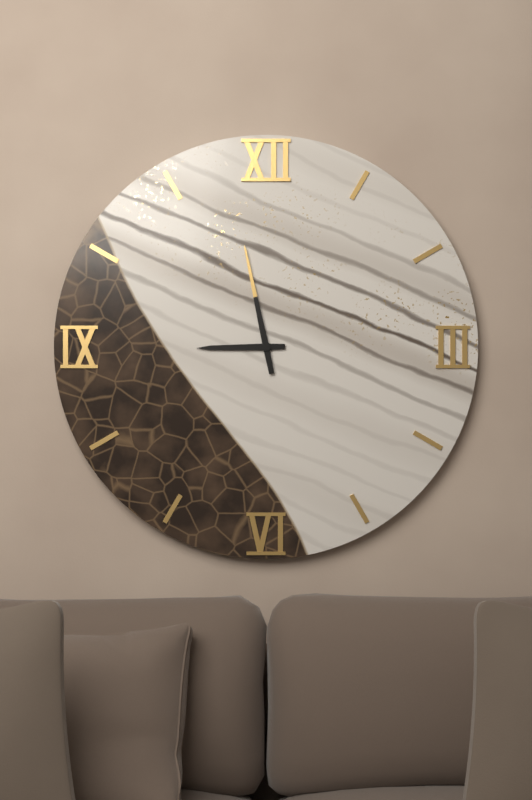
**8:58**
